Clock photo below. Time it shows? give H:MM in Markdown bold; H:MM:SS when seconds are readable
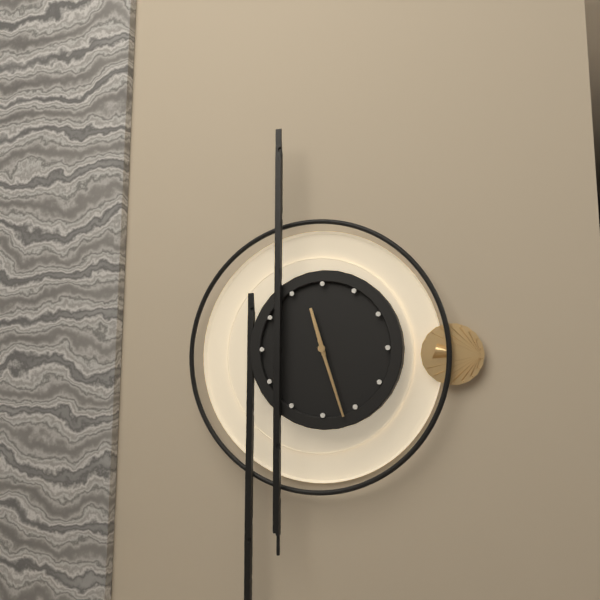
**11:27**
